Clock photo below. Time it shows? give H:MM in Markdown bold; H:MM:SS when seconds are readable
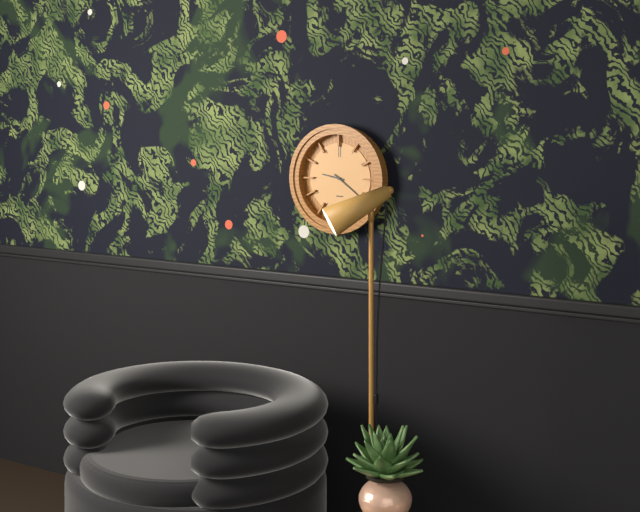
**9:21**
